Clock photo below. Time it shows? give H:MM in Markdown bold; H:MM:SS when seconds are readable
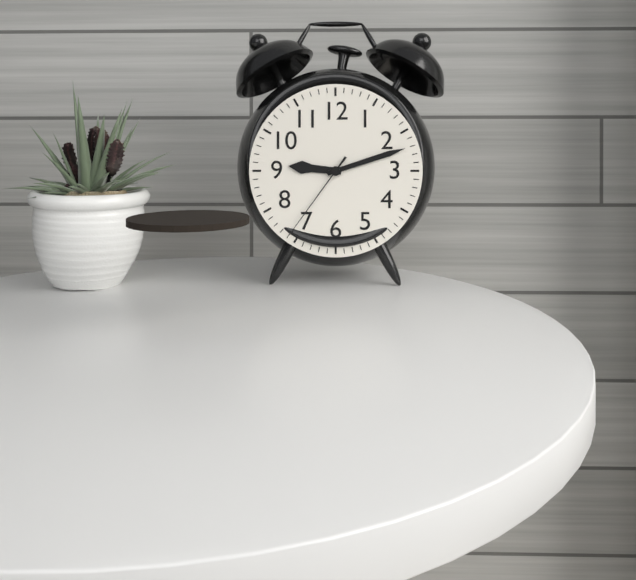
**9:12:36**
